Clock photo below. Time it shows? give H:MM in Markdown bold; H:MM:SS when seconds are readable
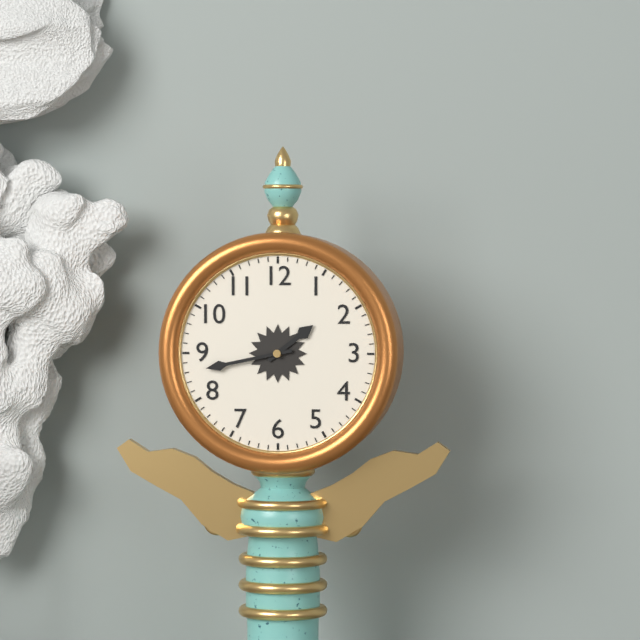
**1:43**
